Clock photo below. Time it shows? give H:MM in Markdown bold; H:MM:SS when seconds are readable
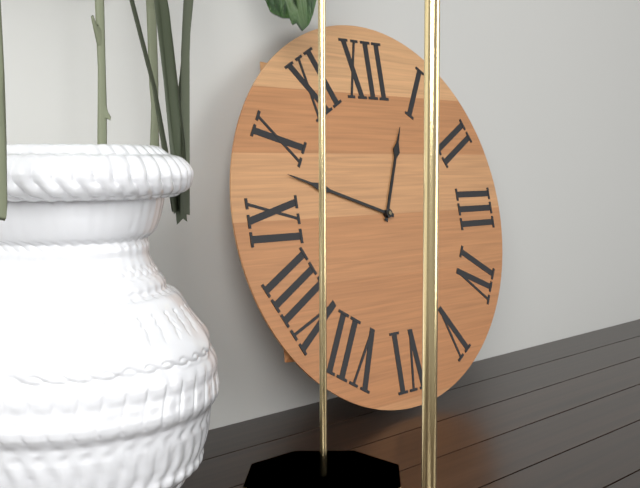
**12:48**
